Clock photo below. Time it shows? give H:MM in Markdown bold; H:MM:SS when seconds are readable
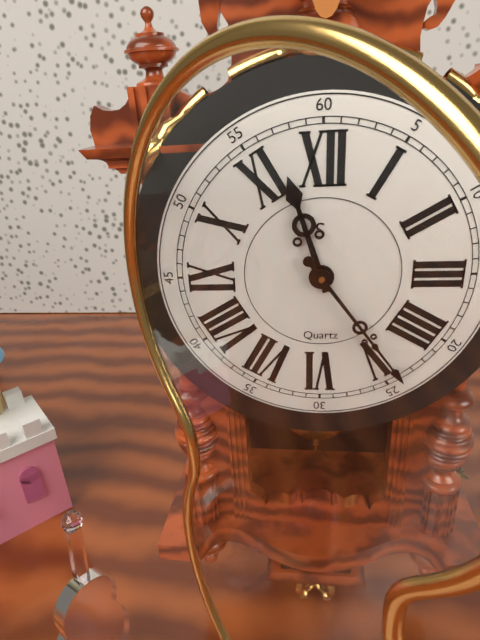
**11:24**
